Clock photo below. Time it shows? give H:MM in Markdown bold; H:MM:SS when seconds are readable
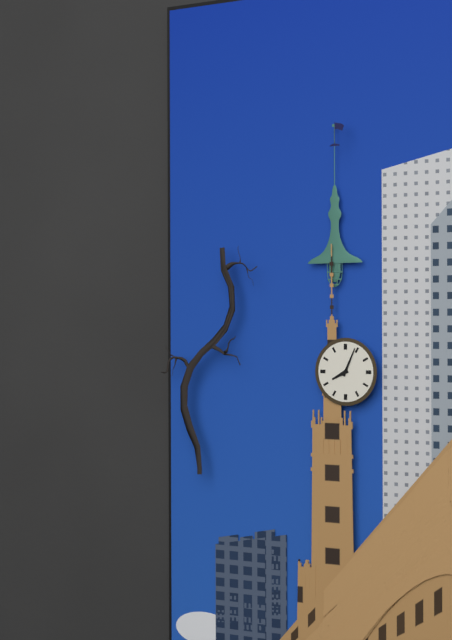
**8:04**
